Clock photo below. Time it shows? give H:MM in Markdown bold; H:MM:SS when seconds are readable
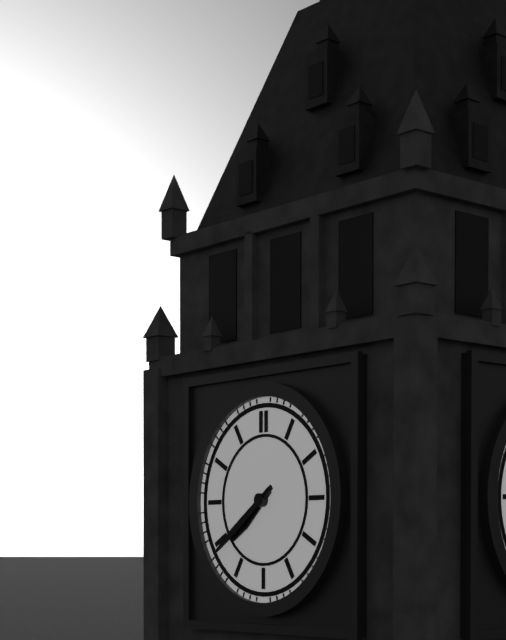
**7:39**
